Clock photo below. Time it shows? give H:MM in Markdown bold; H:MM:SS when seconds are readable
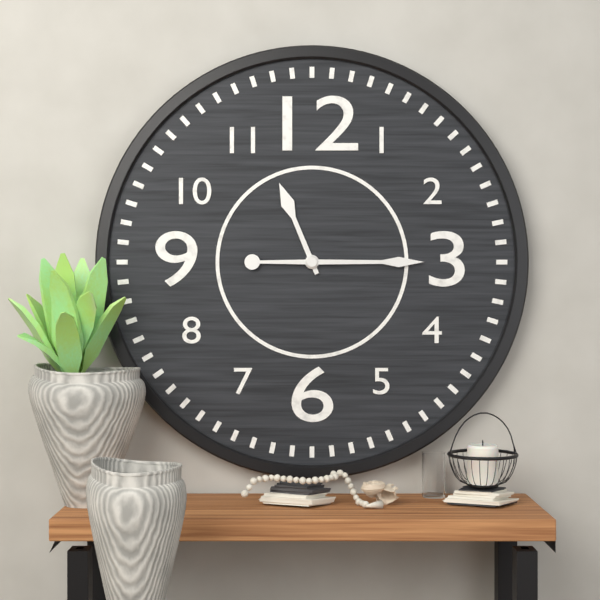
**11:15**
